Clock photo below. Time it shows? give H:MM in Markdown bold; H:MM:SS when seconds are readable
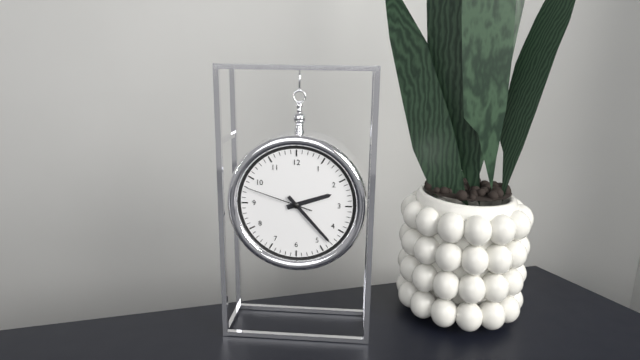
**2:23:48**
